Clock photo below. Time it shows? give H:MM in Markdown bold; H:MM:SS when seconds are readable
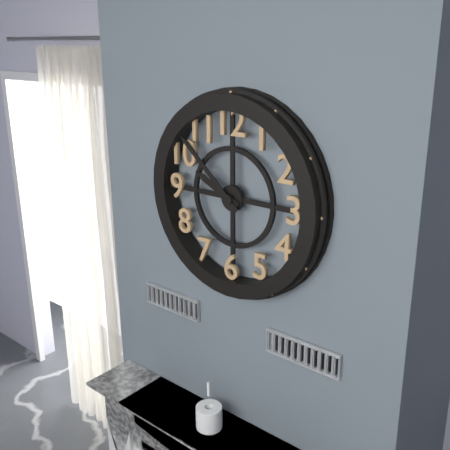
**9:52**
